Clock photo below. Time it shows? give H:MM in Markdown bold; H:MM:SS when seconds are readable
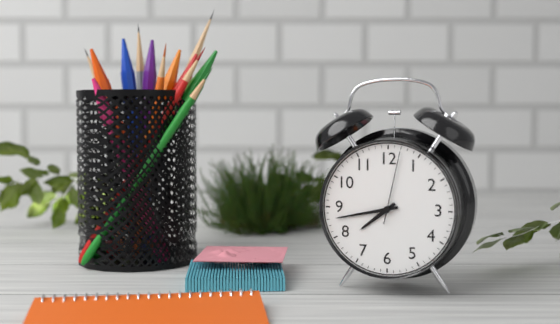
**7:43:02**
